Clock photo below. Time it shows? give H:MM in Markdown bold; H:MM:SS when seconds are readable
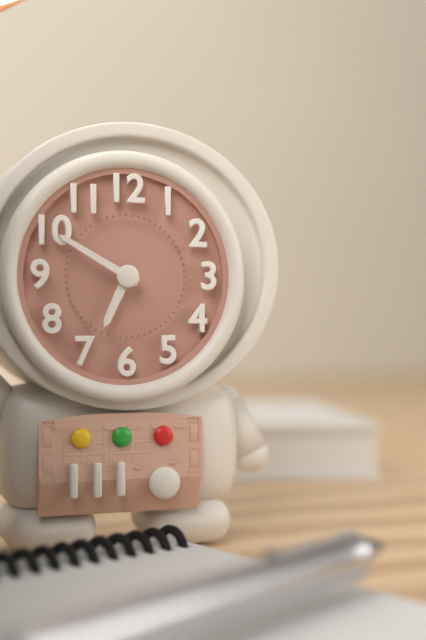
**6:50**
